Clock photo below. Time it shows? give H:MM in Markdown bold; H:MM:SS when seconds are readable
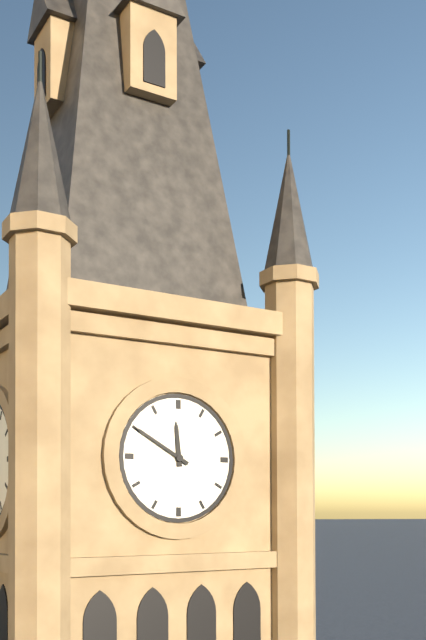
**11:50**
